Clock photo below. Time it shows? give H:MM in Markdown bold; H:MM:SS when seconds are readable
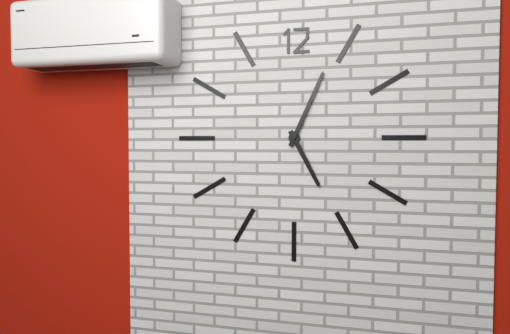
**5:04**
